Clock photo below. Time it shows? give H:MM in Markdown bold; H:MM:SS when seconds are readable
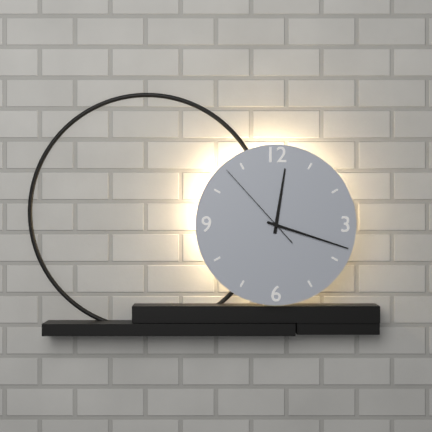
**12:18:53**
